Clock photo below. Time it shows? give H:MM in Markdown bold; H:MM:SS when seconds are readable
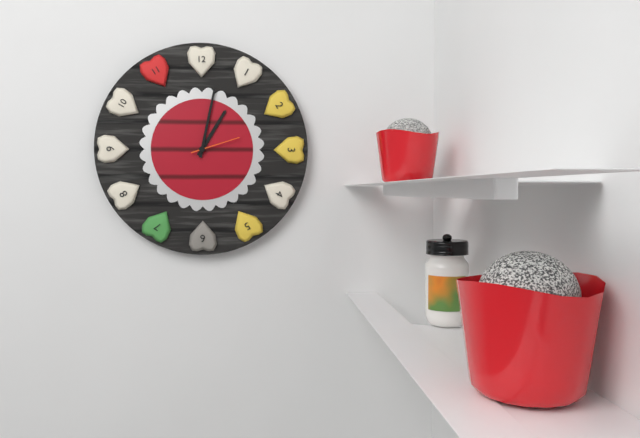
**1:02**
